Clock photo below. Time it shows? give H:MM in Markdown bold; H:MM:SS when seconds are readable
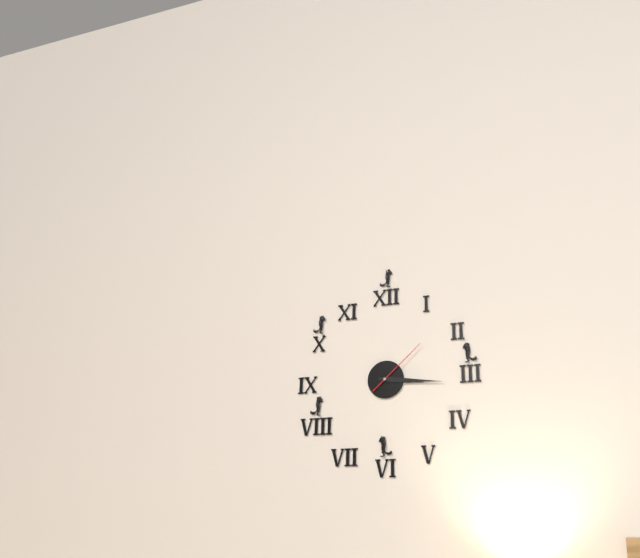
**3:16:08**
